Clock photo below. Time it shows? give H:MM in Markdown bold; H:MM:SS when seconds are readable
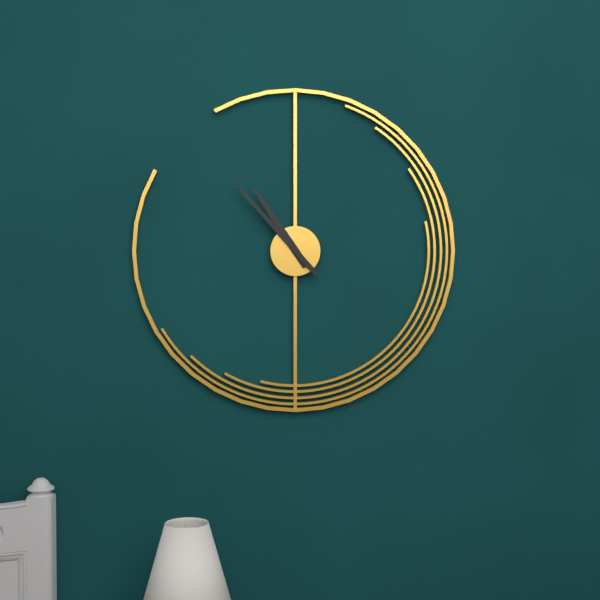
**10:53**
